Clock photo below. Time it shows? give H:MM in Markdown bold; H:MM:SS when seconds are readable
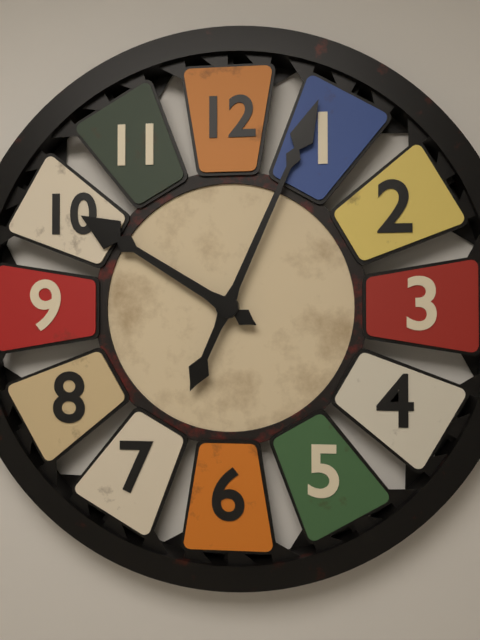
**10:04**
